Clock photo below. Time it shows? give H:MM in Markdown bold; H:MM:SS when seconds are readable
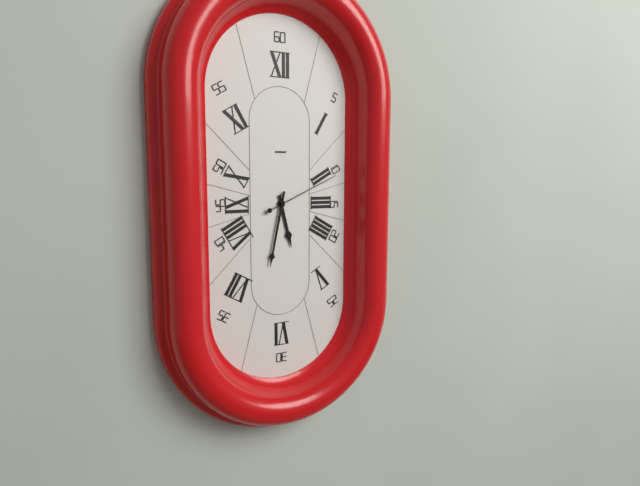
**5:32:11**
